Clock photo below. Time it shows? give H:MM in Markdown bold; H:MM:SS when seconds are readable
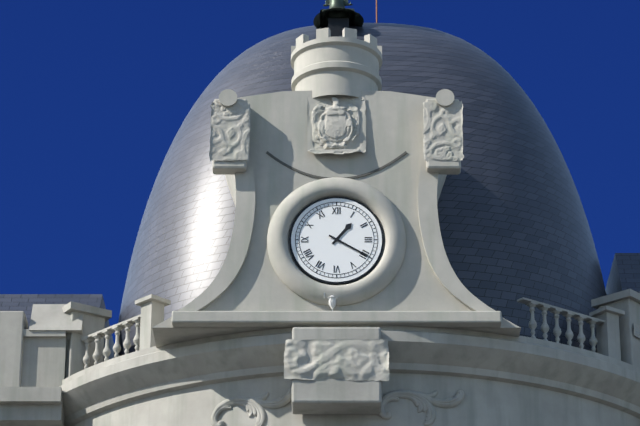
**1:20**
